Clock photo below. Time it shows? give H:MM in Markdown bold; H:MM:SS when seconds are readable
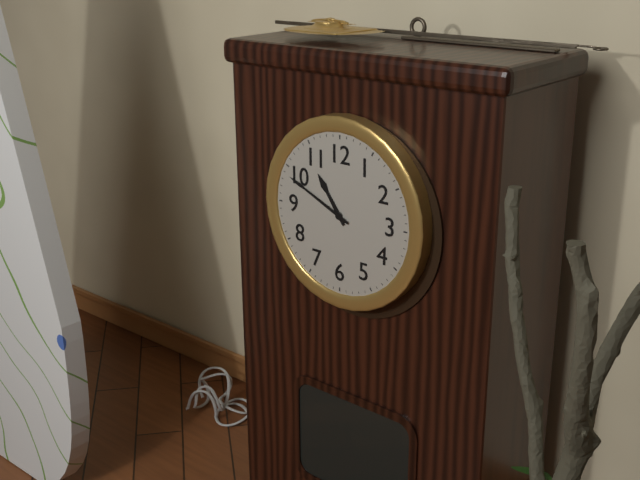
**10:49**
